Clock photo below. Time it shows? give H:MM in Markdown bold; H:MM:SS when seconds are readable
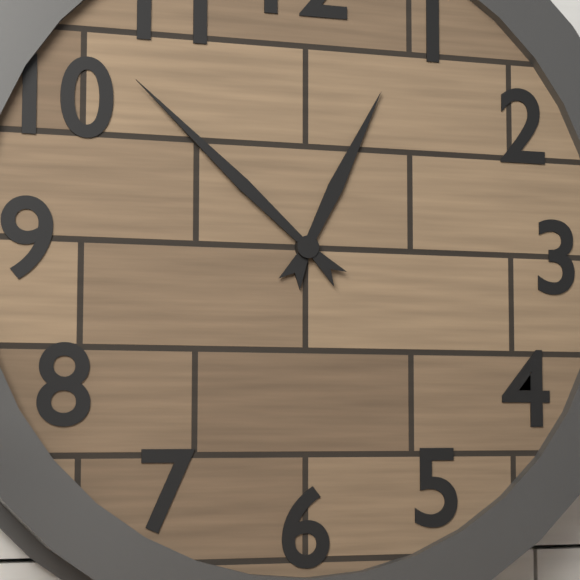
**12:52**
